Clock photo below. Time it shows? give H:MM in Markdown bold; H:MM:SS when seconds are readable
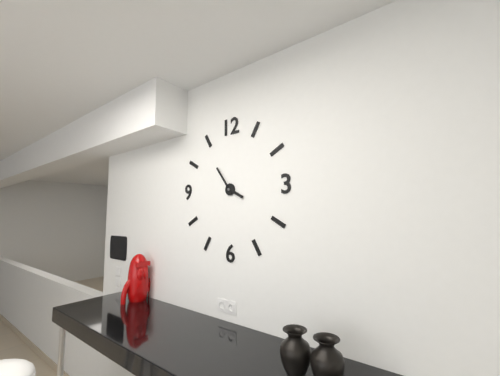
**3:54**
